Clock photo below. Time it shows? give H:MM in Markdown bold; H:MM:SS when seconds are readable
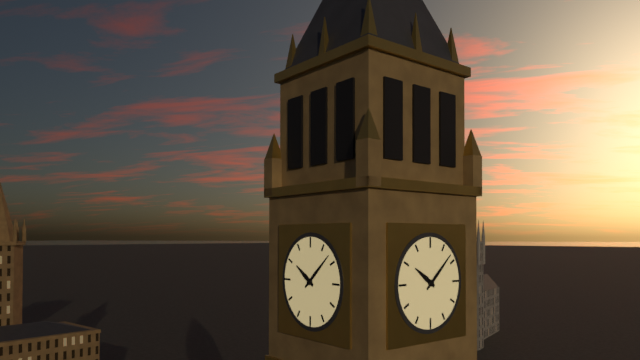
**10:08**
